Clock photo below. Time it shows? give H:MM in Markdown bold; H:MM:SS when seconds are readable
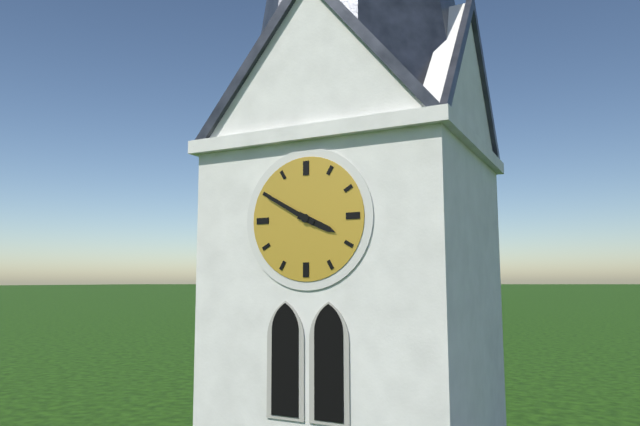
**3:50**
